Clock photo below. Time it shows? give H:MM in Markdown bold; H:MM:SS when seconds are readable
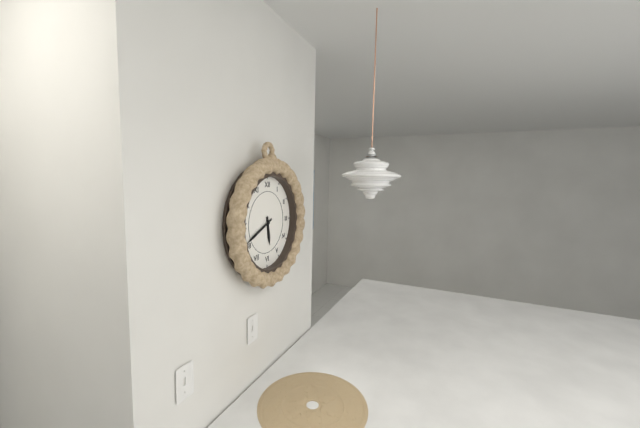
**5:41**
